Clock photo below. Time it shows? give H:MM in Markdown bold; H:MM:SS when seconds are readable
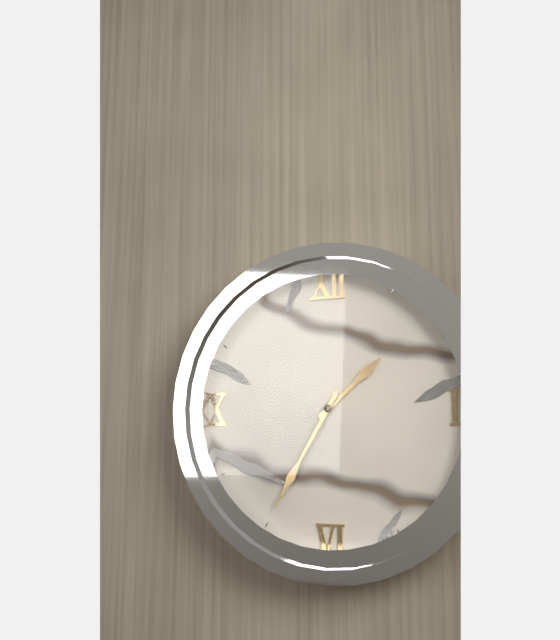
**1:35**
